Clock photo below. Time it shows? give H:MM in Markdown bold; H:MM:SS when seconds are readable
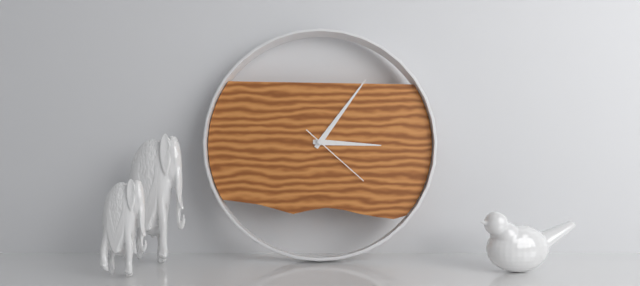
**3:06:22**
